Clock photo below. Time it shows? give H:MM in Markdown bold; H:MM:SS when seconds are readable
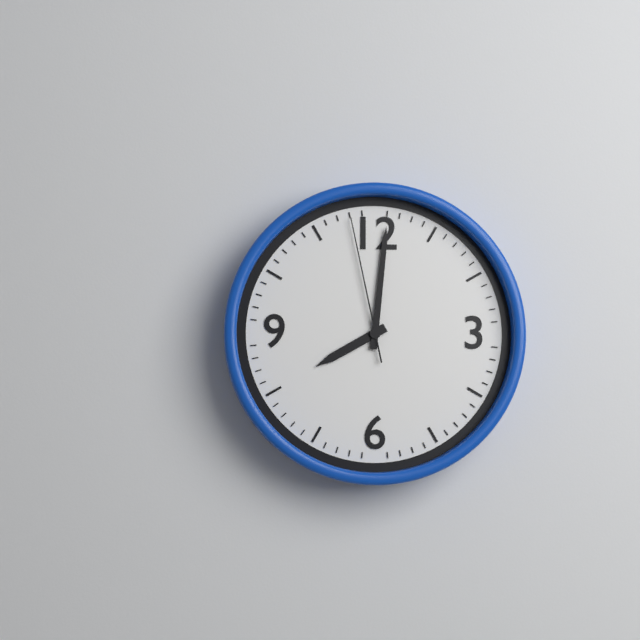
**8:01:58**
